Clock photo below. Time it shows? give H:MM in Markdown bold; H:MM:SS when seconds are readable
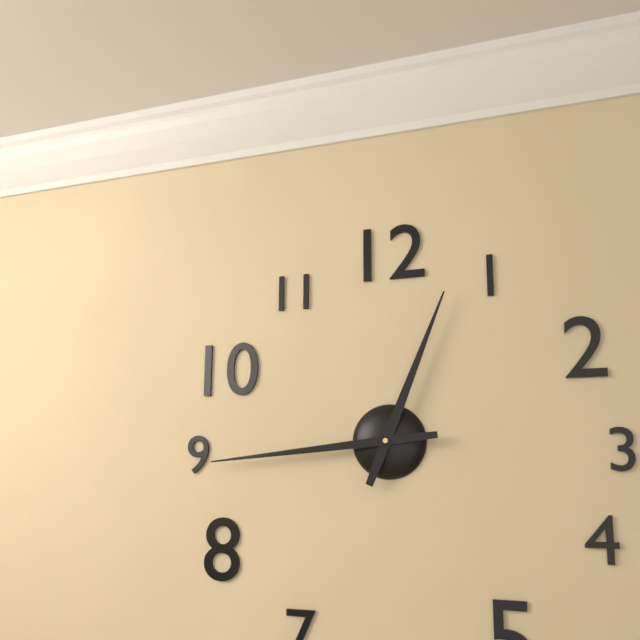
**12:44**
